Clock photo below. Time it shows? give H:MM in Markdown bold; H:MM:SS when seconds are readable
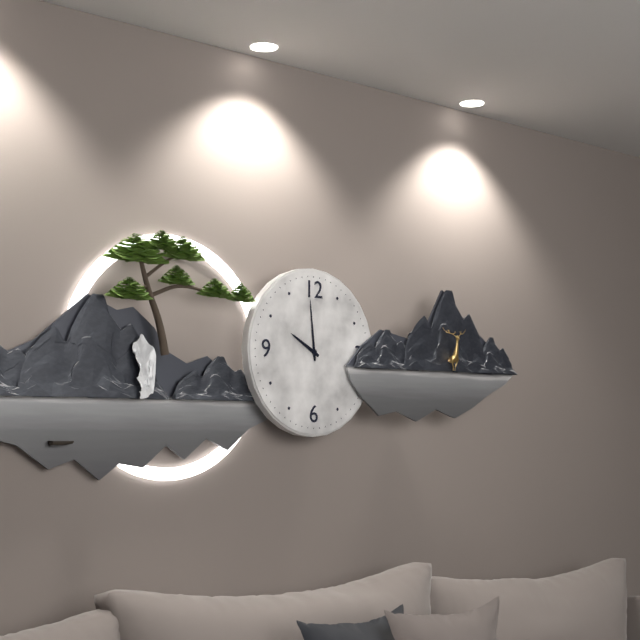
**9:59**
